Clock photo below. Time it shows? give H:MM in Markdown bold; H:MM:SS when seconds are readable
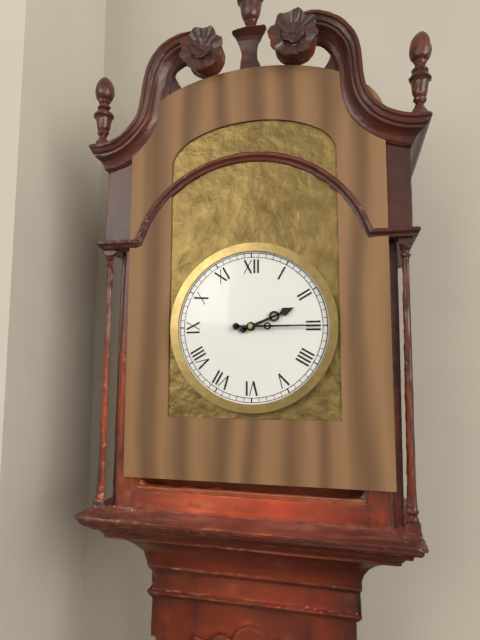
**2:15**
